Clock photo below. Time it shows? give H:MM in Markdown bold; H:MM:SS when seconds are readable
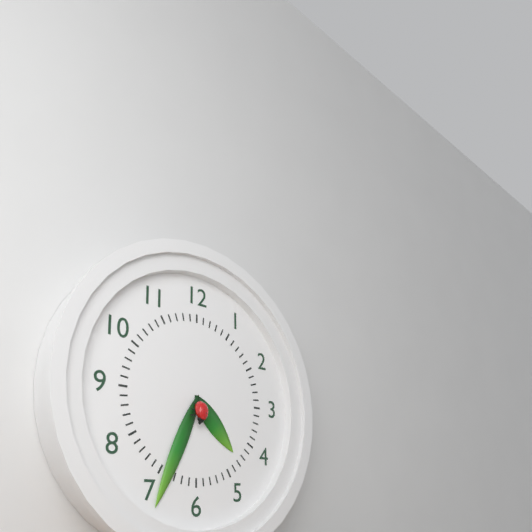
**4:34**
